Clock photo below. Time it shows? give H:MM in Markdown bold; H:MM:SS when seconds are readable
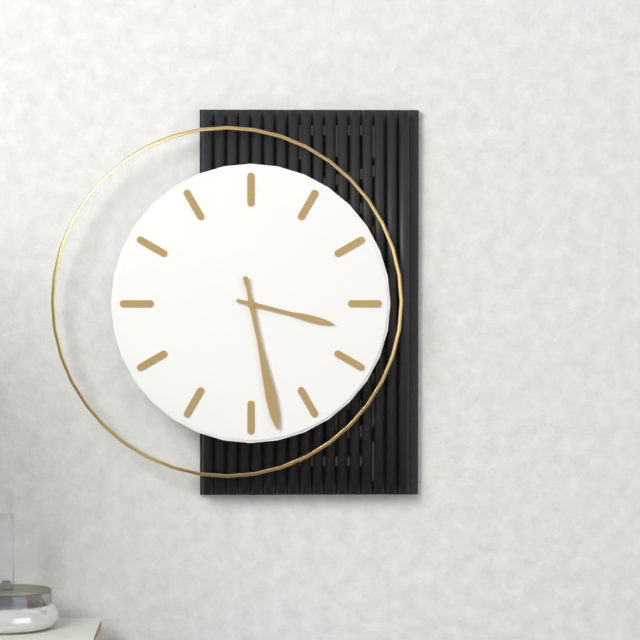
**3:28**
